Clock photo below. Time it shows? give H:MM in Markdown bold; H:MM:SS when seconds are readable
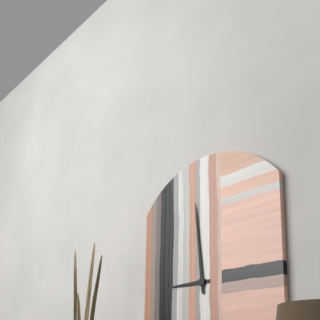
**8:59**
